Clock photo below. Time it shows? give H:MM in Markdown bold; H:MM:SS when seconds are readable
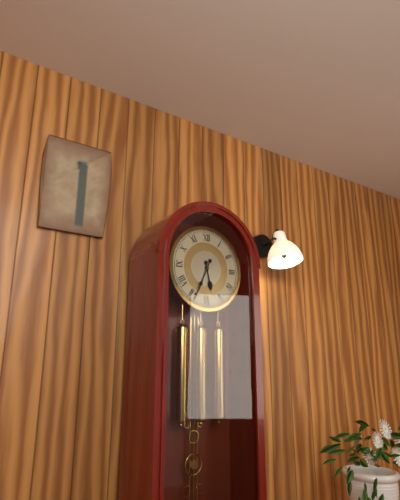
**5:34**
